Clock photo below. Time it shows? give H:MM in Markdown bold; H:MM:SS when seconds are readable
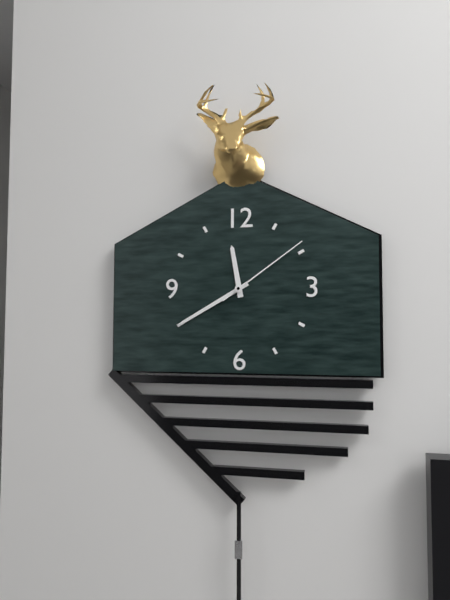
**11:40:09**
